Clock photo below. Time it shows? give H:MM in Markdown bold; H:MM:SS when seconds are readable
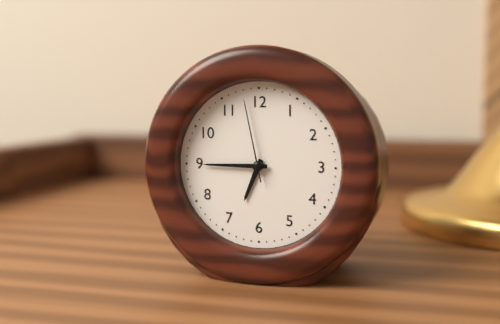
**6:45:58**
